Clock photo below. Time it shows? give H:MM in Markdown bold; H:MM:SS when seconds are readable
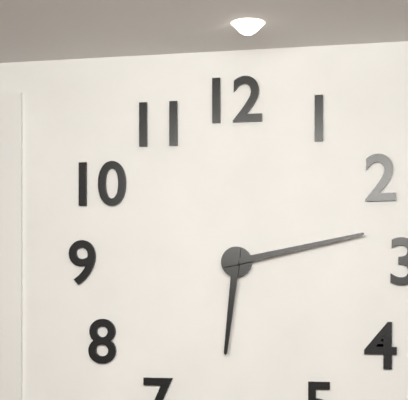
**6:13**
